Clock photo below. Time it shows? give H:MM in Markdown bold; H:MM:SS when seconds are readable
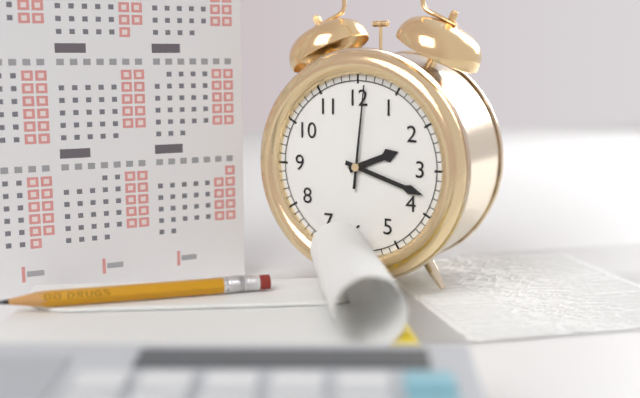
**2:18:01**
